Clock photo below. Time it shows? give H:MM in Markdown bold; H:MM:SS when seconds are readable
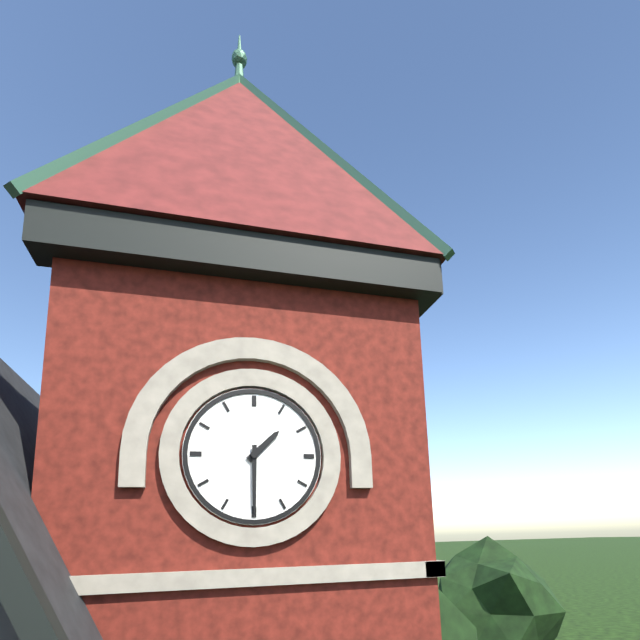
**1:30**
